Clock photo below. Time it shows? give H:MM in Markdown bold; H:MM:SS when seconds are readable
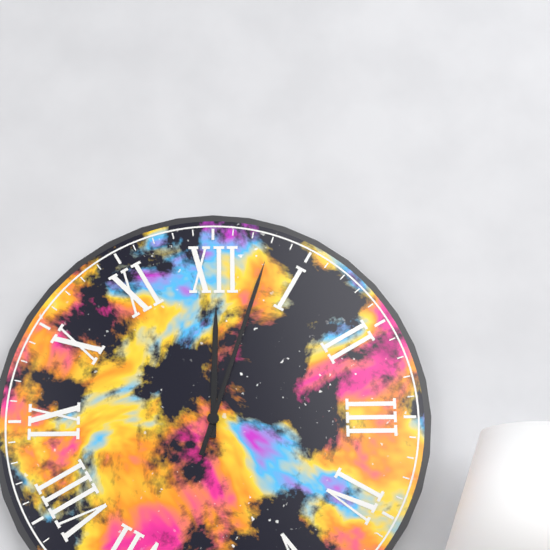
**12:03**
